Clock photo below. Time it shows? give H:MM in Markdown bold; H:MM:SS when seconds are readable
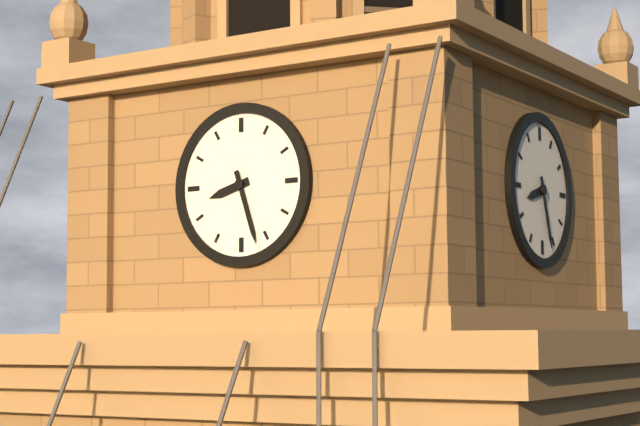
**8:27**
